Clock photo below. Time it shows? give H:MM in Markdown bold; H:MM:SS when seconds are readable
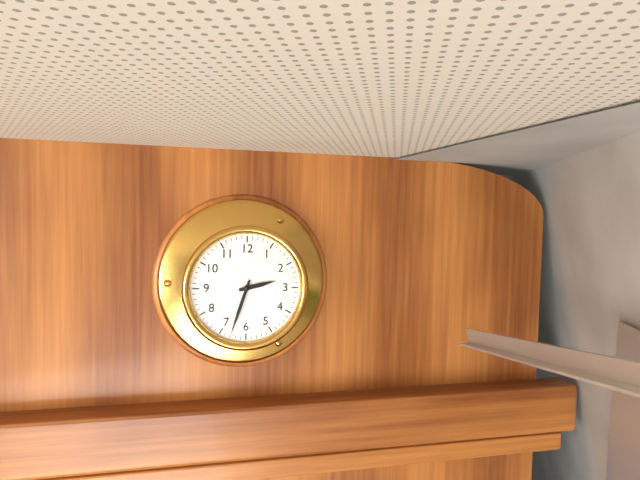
**2:33**
